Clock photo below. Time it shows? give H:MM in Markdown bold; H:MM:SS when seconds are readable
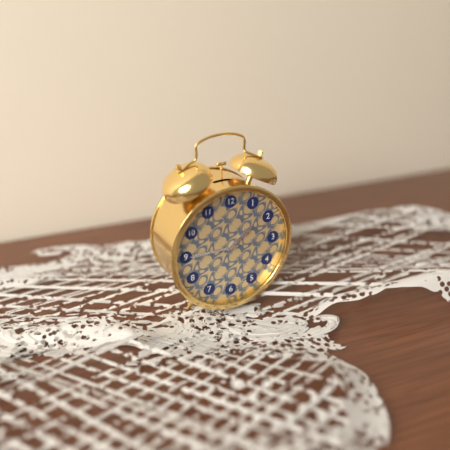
**1:45**
